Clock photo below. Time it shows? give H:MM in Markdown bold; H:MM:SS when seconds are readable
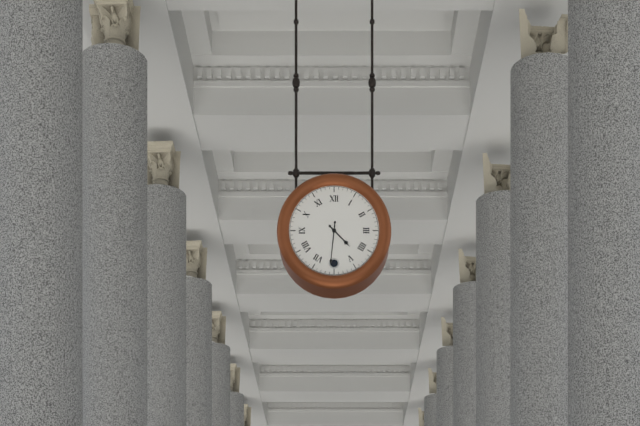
**4:31**
